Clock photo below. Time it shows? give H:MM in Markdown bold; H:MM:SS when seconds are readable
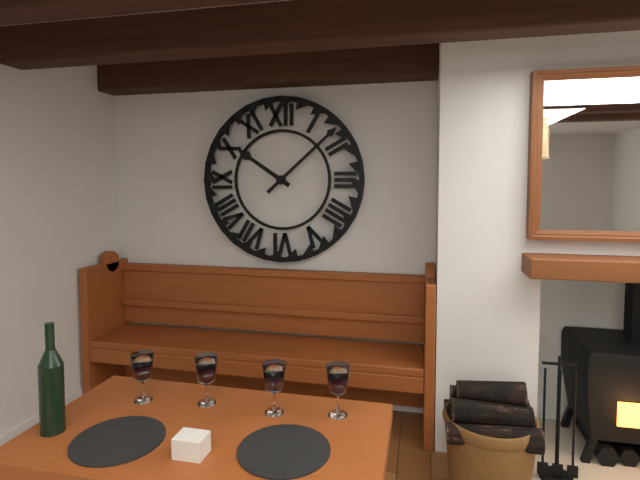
**10:08**
